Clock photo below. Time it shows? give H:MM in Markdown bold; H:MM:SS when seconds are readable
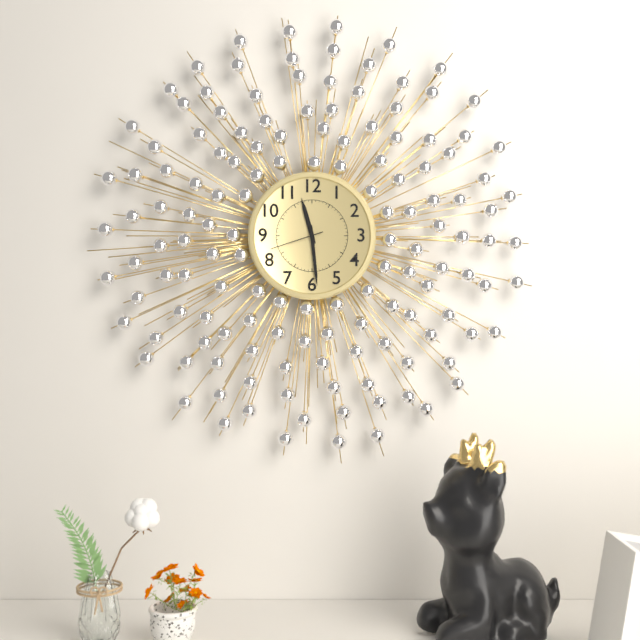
**11:29:42**
